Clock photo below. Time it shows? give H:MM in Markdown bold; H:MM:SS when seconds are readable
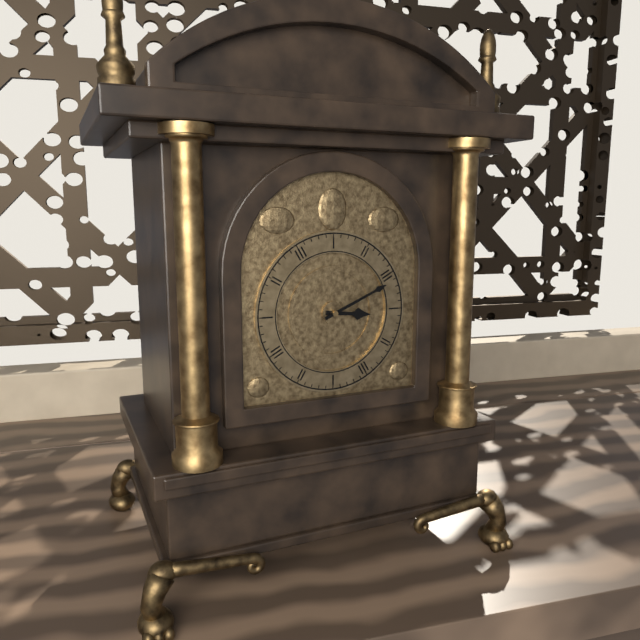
**3:11**
